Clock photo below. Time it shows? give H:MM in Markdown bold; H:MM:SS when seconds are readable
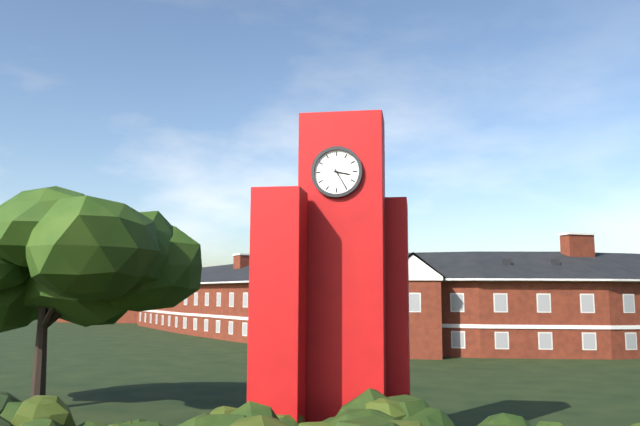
**3:25**
